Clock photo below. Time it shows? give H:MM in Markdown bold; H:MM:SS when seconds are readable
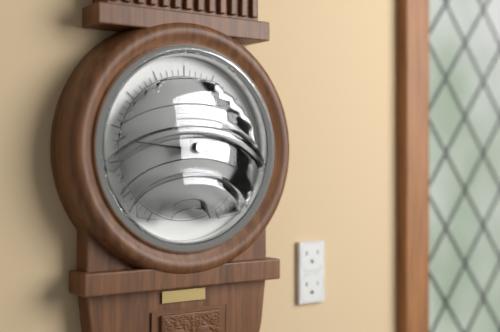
**2:46**
